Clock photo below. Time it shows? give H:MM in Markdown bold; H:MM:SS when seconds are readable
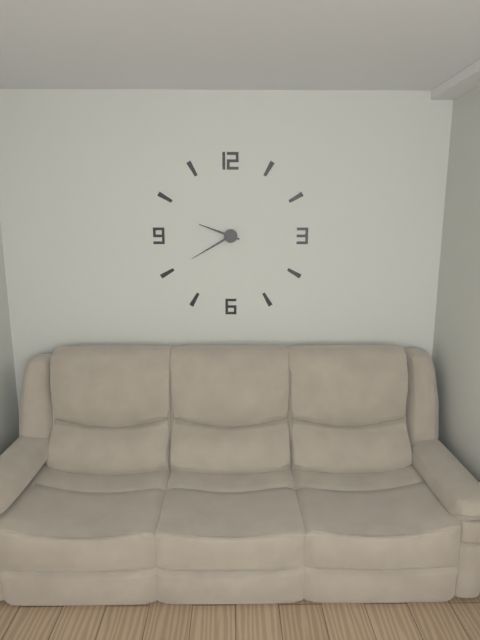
**9:40**
